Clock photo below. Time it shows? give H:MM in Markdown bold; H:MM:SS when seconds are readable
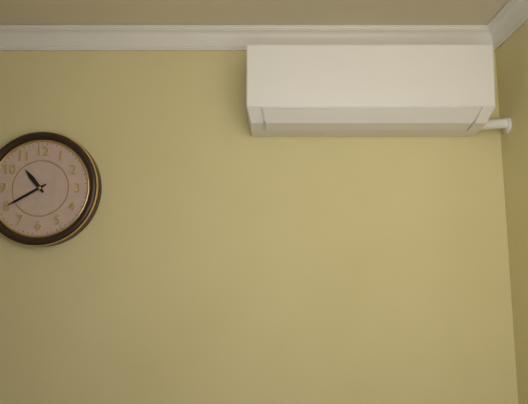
**10:40**
